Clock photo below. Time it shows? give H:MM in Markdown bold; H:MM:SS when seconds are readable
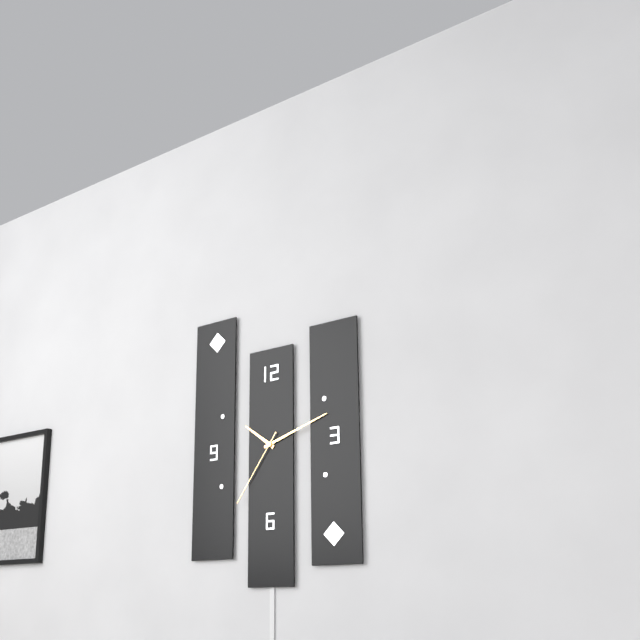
**10:12:36**
